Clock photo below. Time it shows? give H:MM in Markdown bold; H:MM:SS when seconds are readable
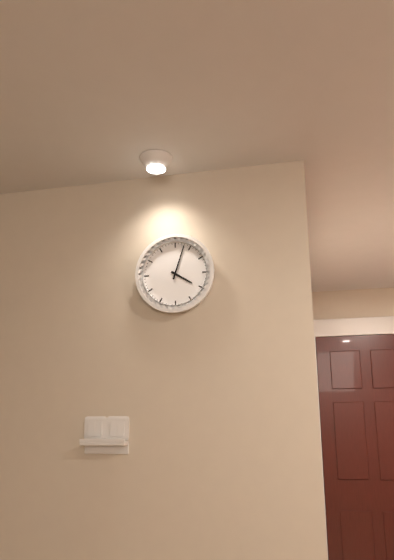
**4:03**
